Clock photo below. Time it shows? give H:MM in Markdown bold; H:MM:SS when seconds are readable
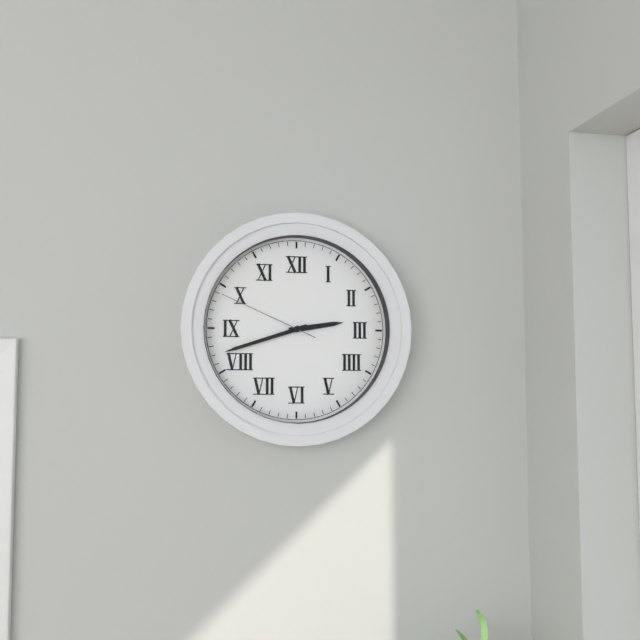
**2:42:49**
